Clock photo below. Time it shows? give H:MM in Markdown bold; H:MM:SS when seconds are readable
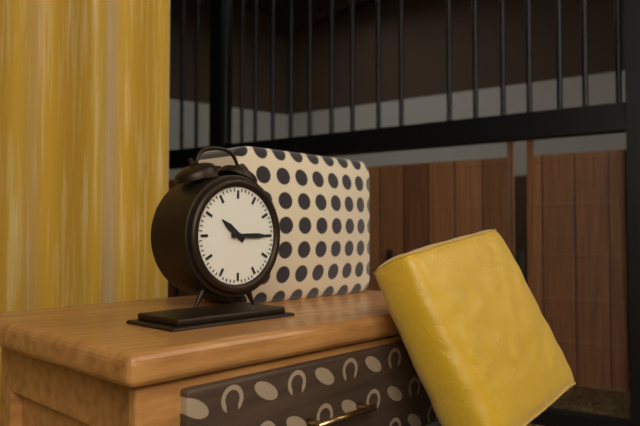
**10:15**
